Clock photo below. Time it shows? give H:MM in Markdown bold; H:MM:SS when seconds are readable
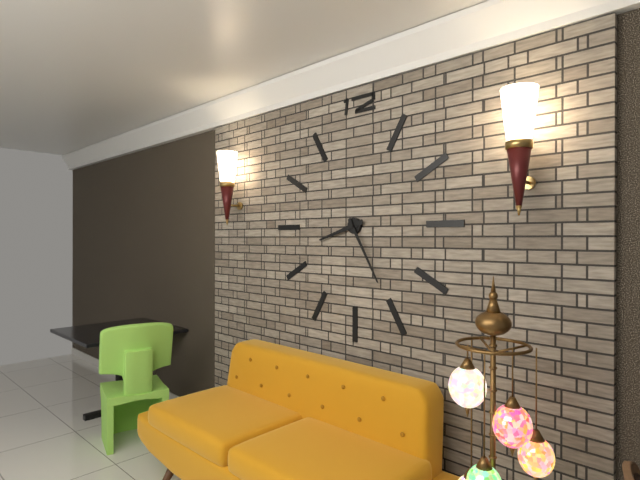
**8:25**
